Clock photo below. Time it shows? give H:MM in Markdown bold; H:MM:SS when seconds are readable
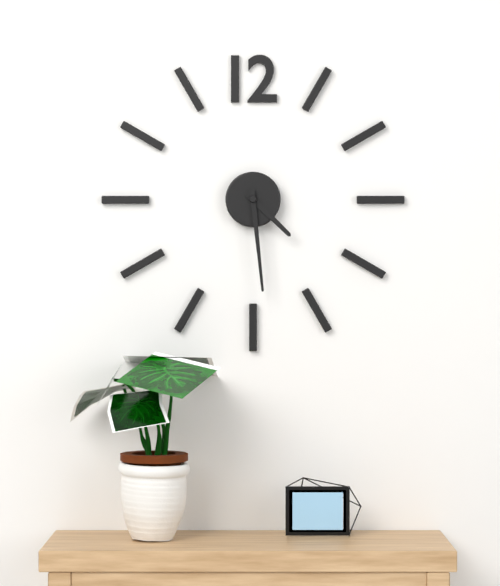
**4:29**
